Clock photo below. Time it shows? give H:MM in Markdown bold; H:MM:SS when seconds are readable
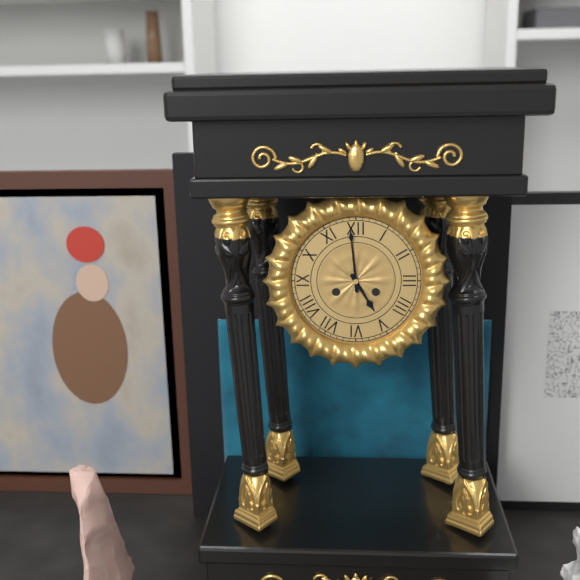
**4:59**
